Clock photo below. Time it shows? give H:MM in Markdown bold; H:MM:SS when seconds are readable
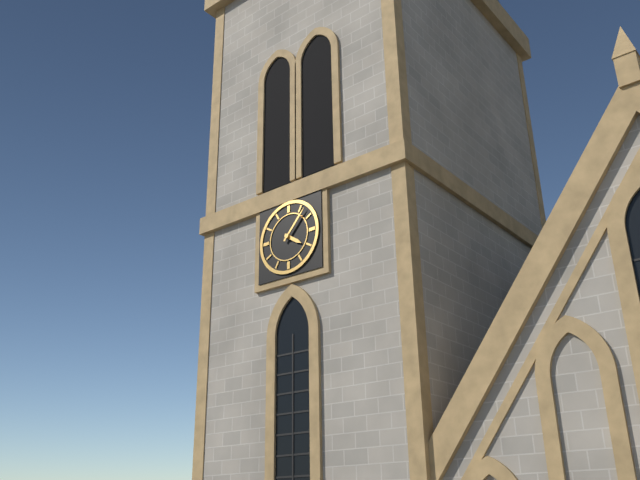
**4:07**
